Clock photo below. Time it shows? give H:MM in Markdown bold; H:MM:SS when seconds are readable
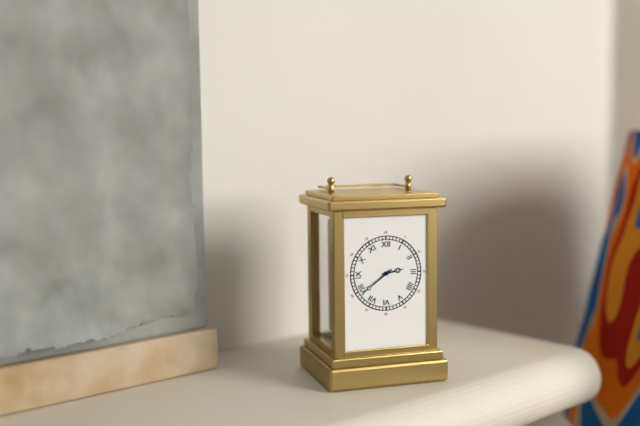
**2:39**
